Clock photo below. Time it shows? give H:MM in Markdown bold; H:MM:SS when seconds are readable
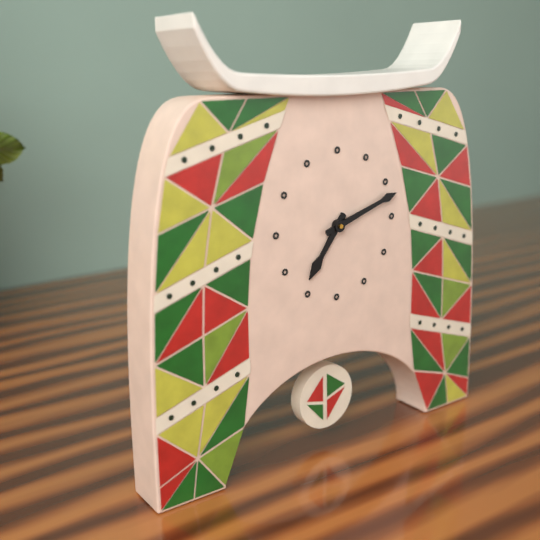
**7:12**
